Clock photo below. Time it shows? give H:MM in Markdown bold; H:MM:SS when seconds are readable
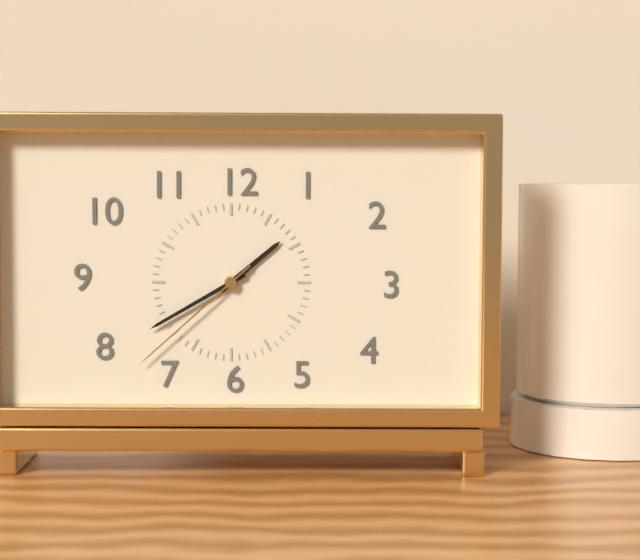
**1:40:38**
